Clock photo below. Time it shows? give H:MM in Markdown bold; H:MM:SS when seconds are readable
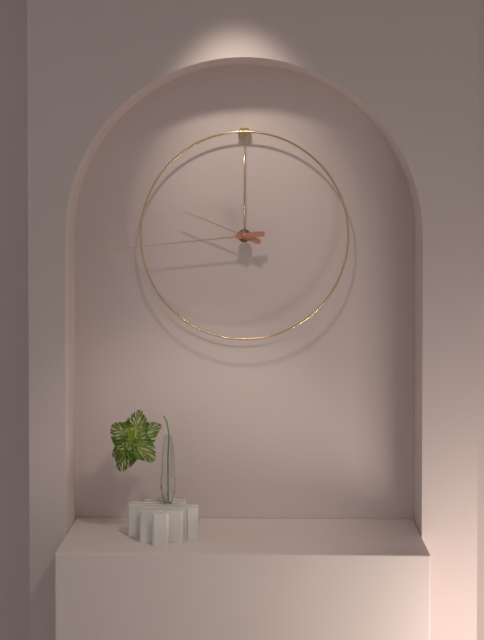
**9:44**
